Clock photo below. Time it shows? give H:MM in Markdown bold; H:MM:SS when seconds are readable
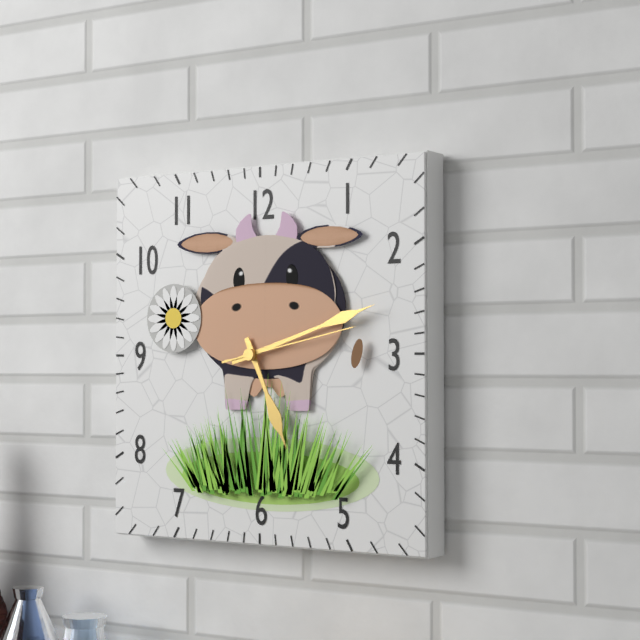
**5:12:13**
